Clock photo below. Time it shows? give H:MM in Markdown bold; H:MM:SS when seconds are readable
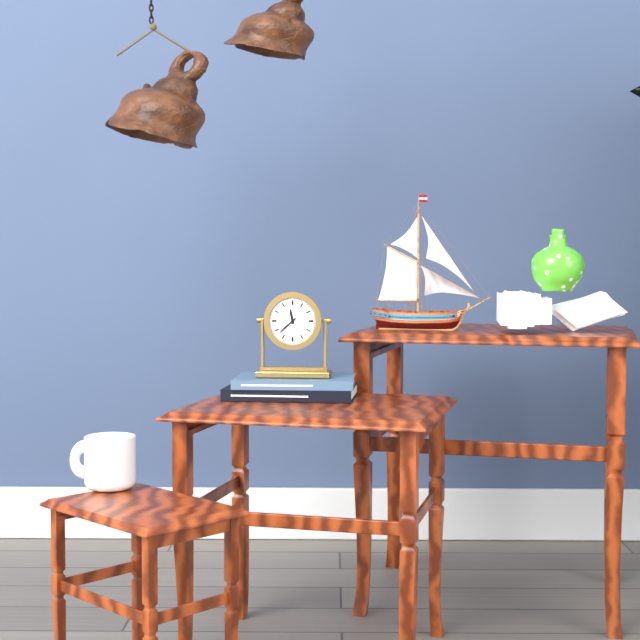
**11:38**
